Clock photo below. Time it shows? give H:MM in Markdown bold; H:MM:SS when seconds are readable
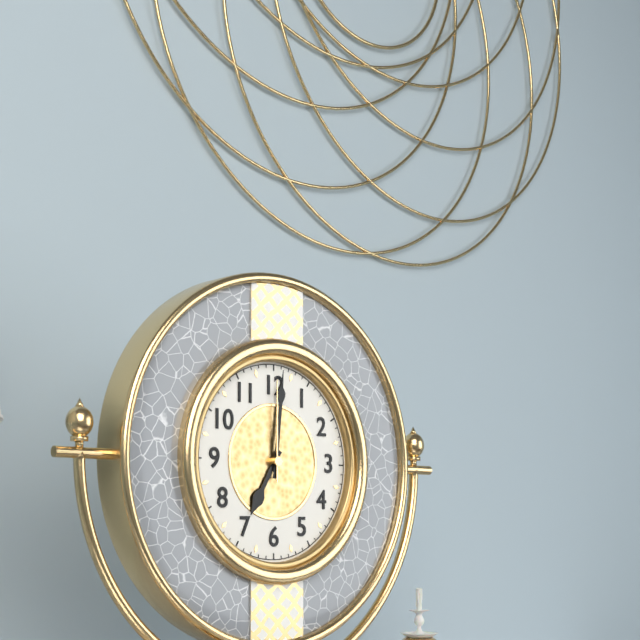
**7:01:00**
